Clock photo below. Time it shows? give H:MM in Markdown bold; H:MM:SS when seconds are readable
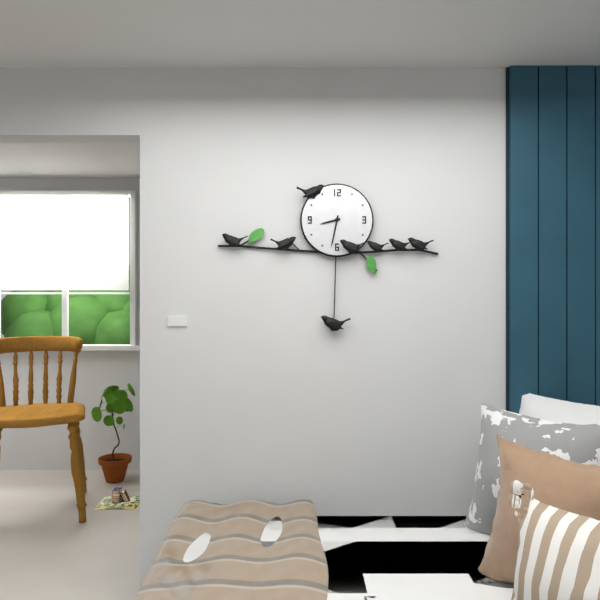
**8:32**
